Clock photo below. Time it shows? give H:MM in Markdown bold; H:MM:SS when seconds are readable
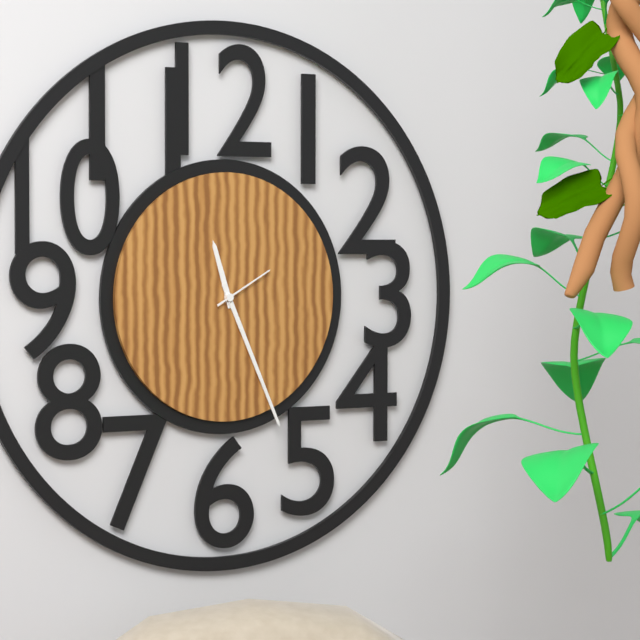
**11:26:10**
